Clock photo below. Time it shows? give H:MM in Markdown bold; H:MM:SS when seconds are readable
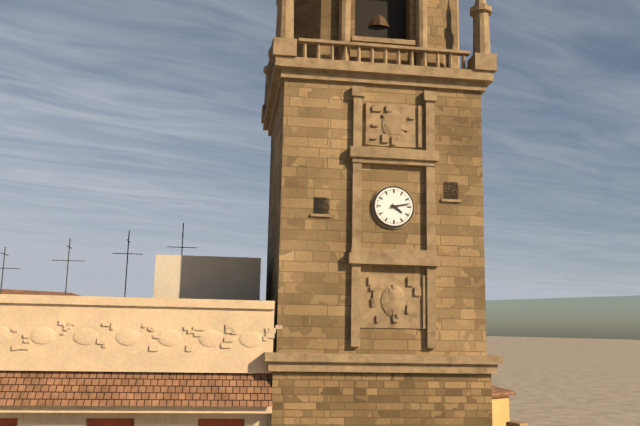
**4:13**
